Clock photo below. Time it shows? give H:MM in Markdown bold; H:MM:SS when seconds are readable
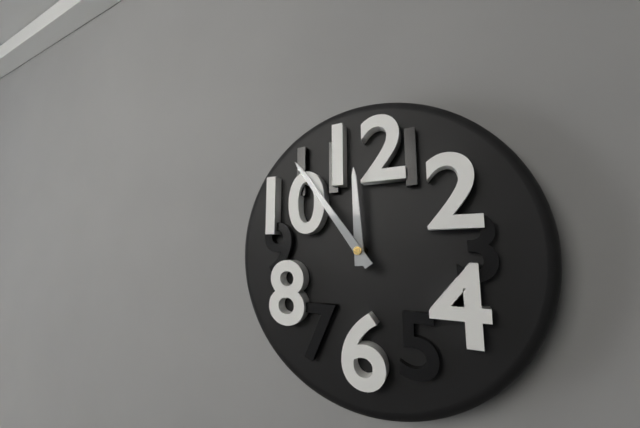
**11:54**
